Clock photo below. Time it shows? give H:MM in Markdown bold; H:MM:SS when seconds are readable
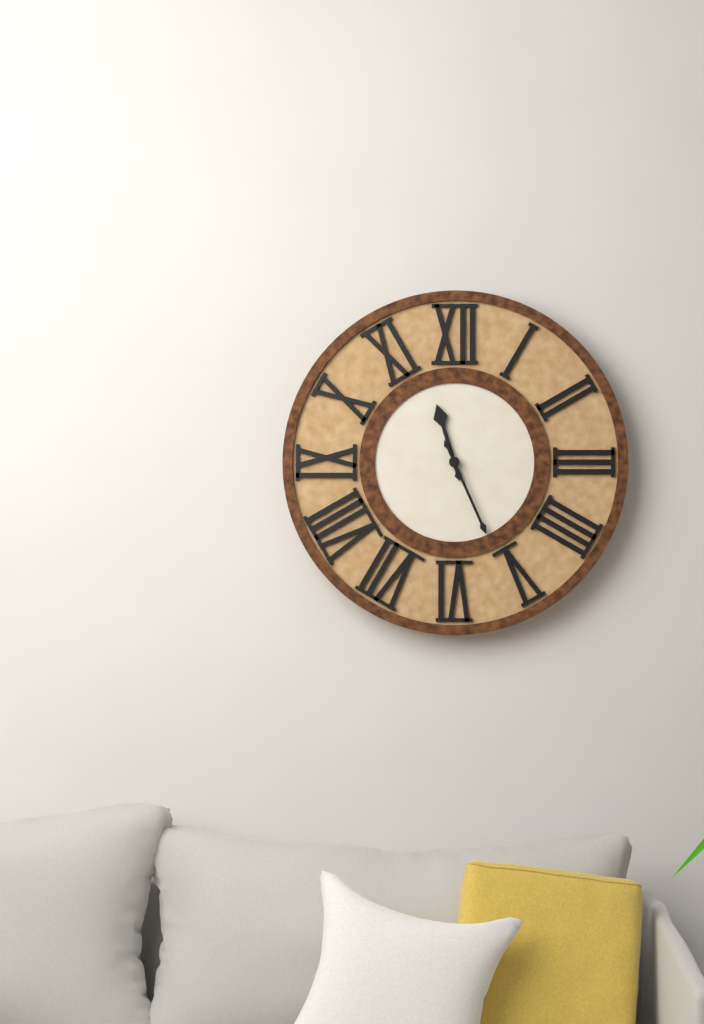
**11:26**
